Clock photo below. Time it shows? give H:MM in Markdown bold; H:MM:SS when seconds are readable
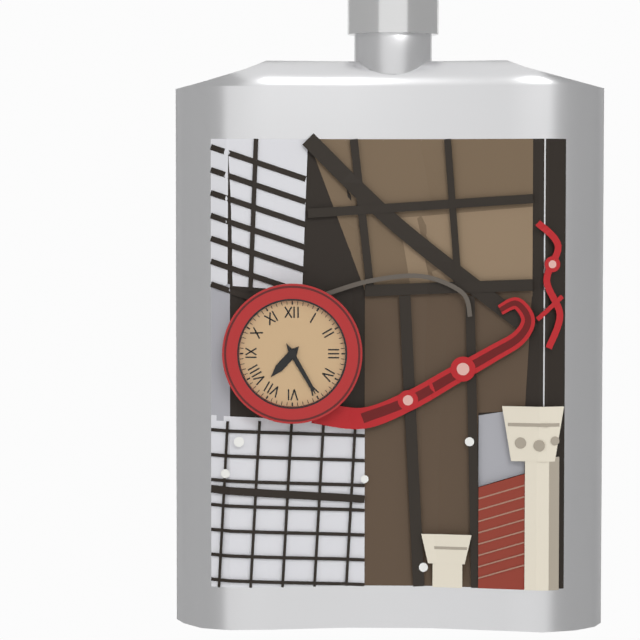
**7:25**
